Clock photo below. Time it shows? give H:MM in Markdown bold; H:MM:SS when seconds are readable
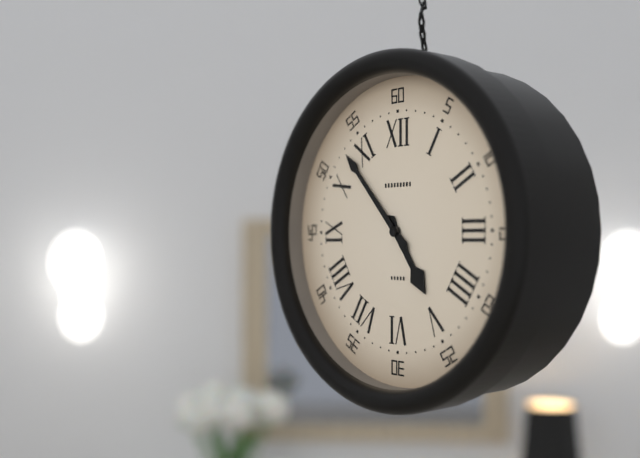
**4:53**
